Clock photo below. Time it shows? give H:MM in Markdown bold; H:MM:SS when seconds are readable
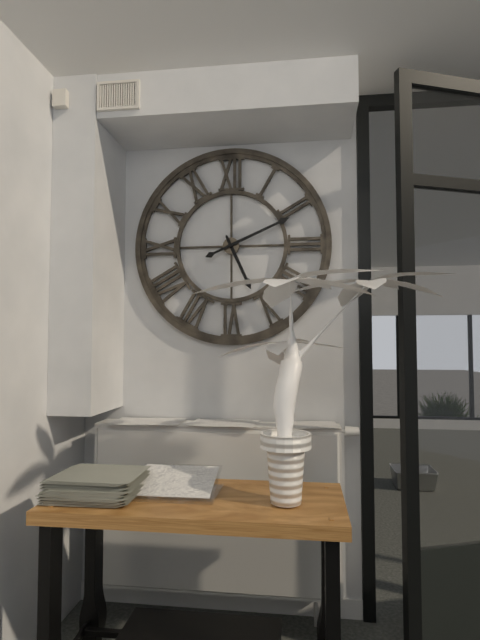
**5:11**
